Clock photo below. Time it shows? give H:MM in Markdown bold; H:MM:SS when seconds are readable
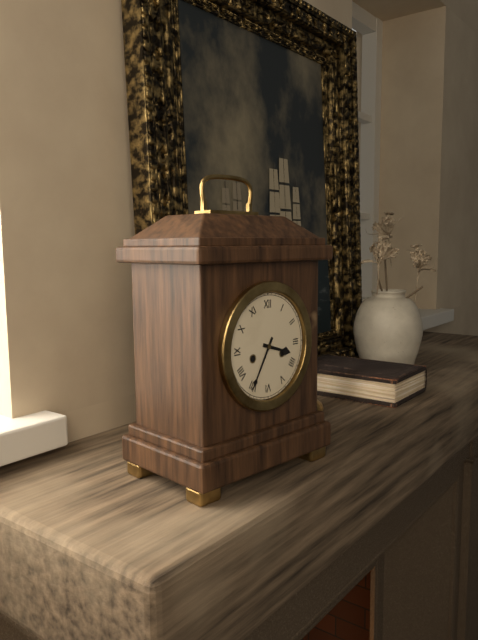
**3:35**
